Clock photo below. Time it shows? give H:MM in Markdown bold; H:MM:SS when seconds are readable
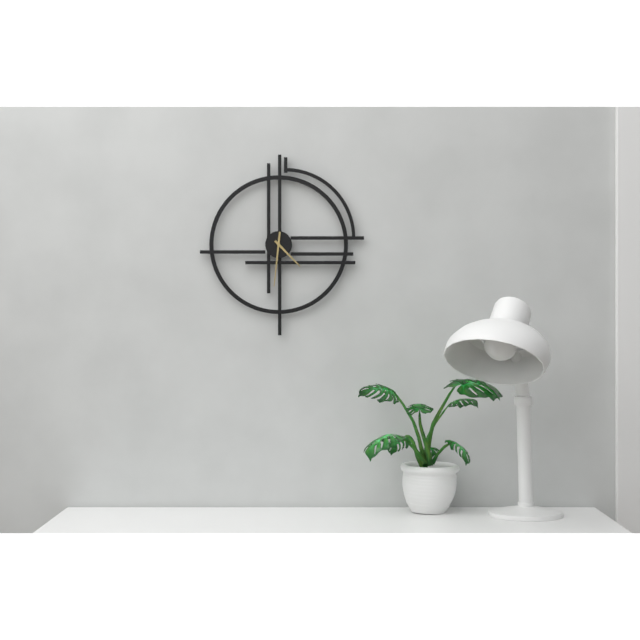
**4:31**
